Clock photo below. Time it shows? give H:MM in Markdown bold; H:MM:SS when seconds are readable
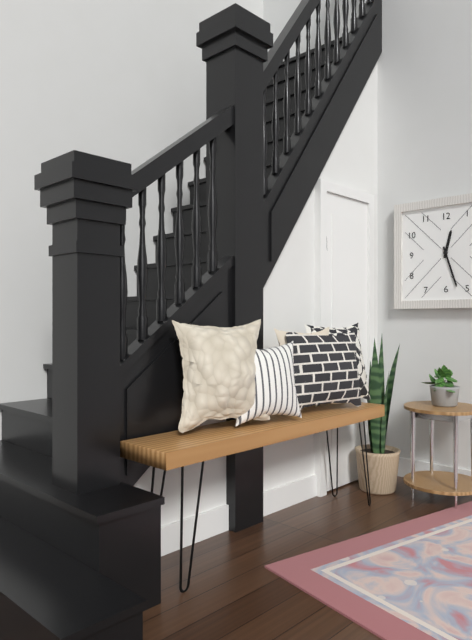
**12:27**
